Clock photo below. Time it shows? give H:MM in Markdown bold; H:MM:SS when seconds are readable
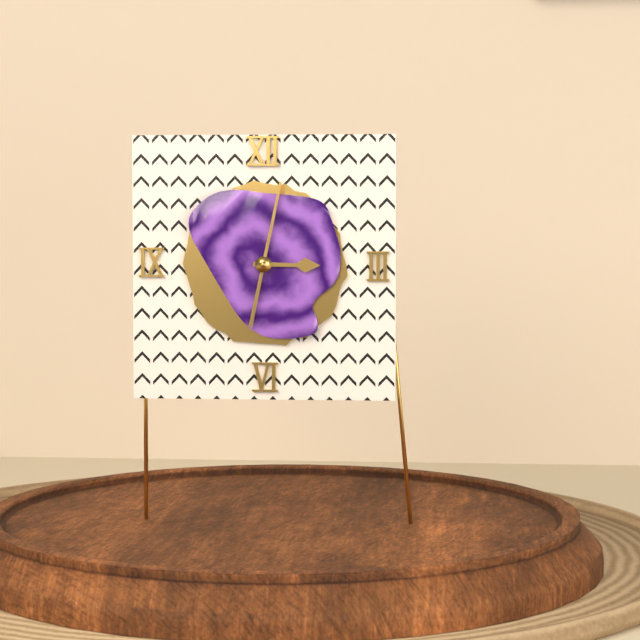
**3:02**
